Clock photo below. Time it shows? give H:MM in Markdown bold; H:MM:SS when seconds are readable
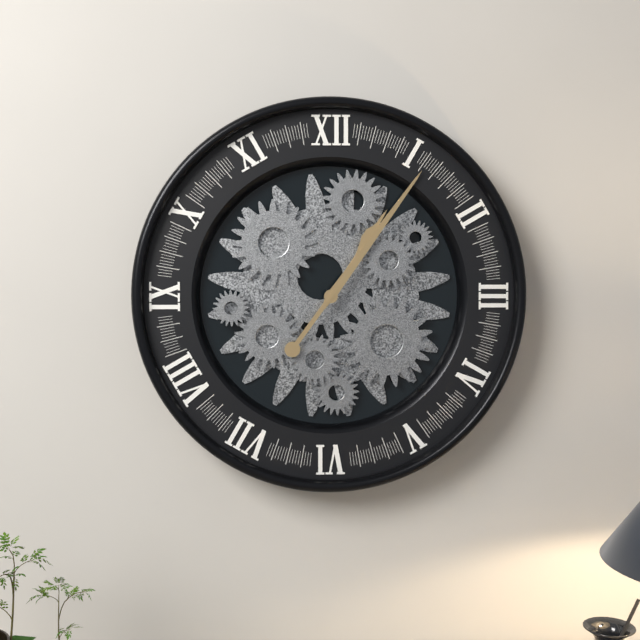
**1:06**
